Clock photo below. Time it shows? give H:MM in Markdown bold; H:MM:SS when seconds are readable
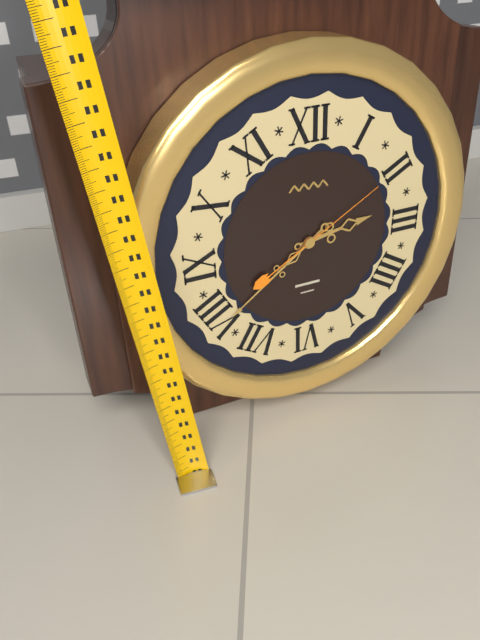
**2:39:10**
